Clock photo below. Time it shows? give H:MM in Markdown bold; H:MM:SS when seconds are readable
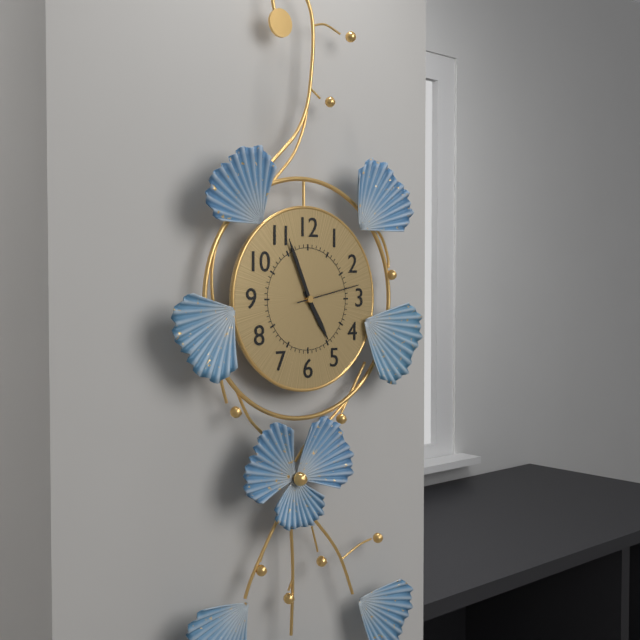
**4:56:13**
